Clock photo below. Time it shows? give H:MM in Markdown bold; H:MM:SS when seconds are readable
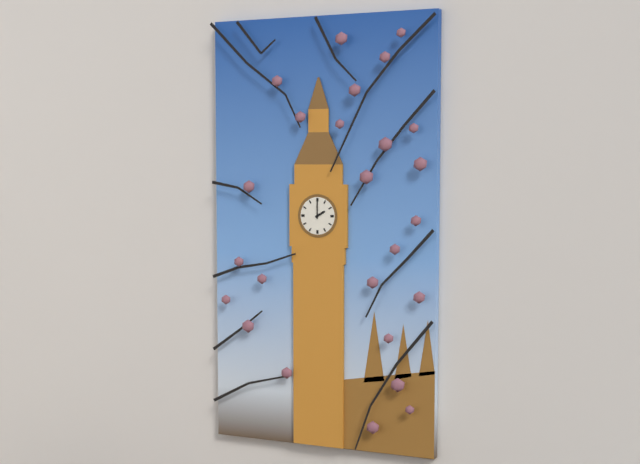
**2:00**
